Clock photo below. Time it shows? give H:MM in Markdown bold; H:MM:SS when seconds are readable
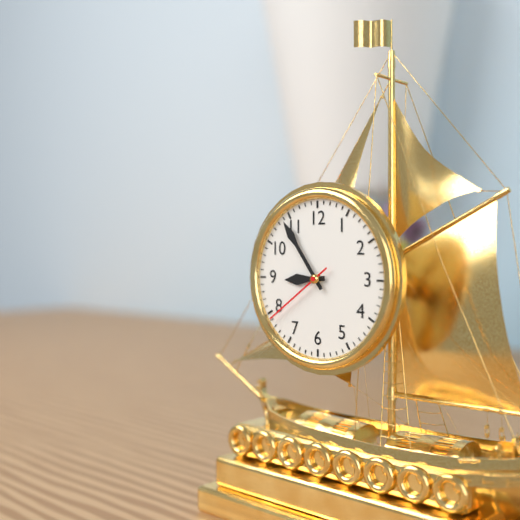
**8:54:39**
